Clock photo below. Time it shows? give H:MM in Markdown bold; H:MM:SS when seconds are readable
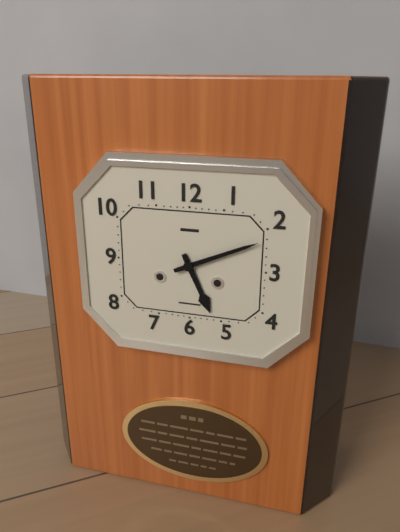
**5:11**
